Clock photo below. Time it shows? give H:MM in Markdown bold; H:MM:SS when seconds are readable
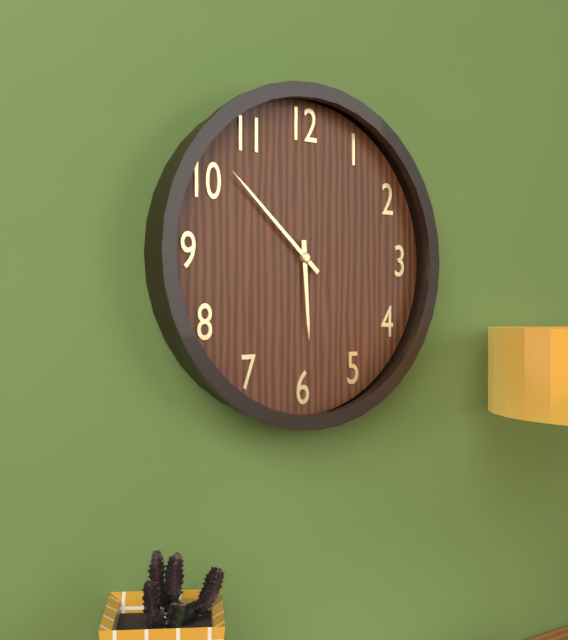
**5:52**
